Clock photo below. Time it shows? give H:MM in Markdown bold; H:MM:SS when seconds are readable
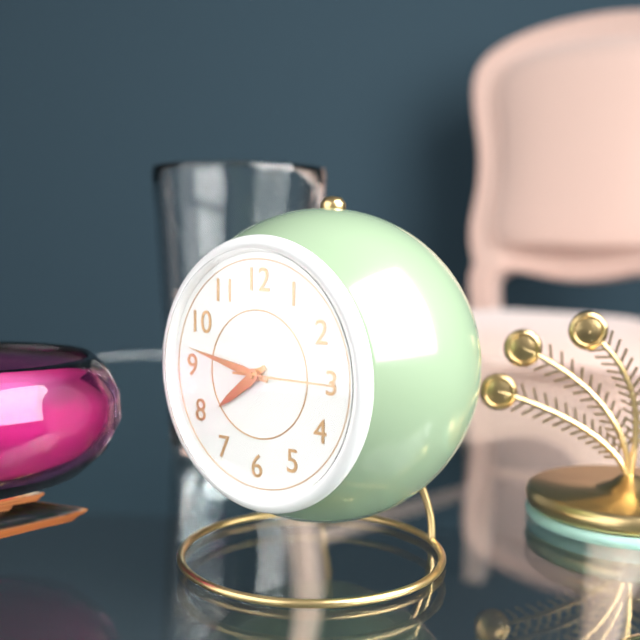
**7:47:15**
